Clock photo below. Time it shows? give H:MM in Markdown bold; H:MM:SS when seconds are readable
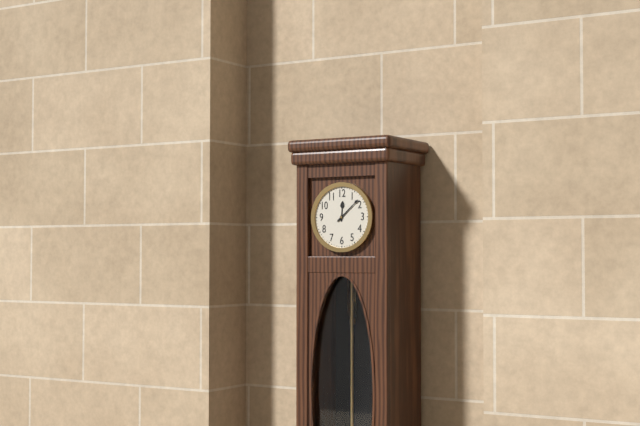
**12:08**
